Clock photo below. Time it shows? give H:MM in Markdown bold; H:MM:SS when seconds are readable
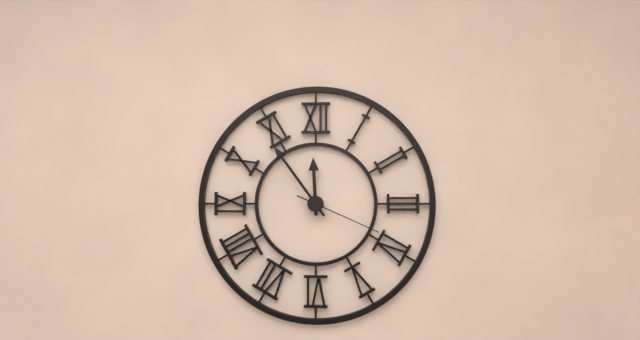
**11:54:19**
